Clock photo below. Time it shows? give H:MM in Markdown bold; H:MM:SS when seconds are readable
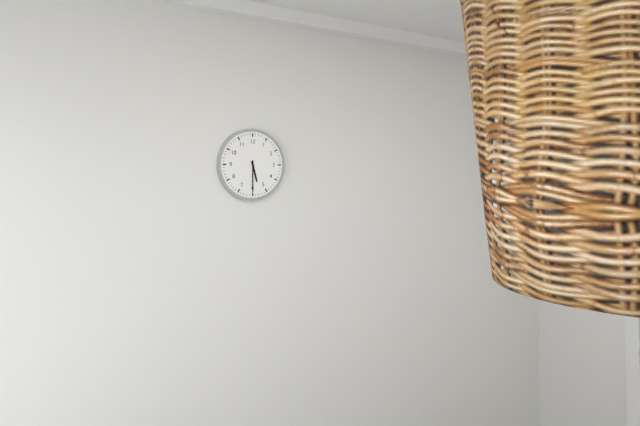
**5:30**
